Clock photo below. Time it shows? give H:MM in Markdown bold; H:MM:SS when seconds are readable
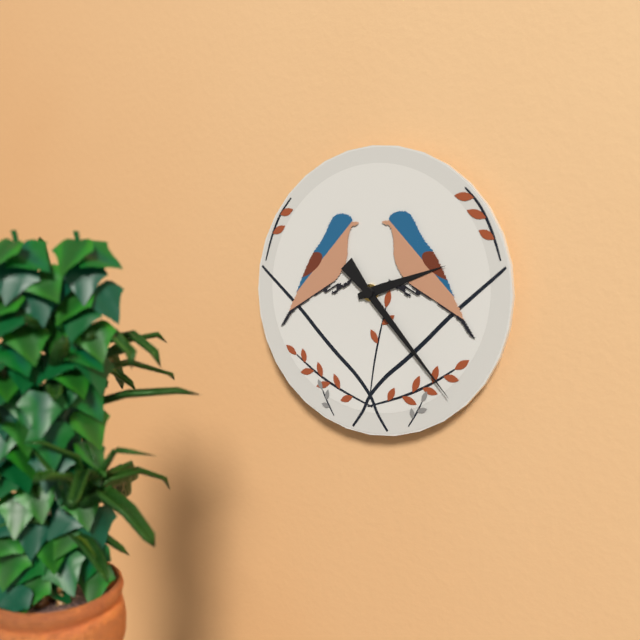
**2:23**
